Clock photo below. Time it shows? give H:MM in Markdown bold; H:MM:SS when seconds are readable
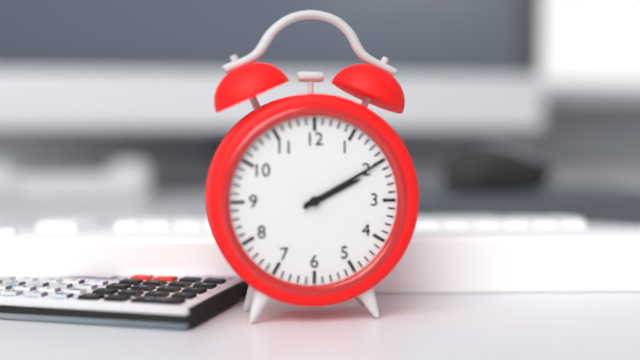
**2:10**
